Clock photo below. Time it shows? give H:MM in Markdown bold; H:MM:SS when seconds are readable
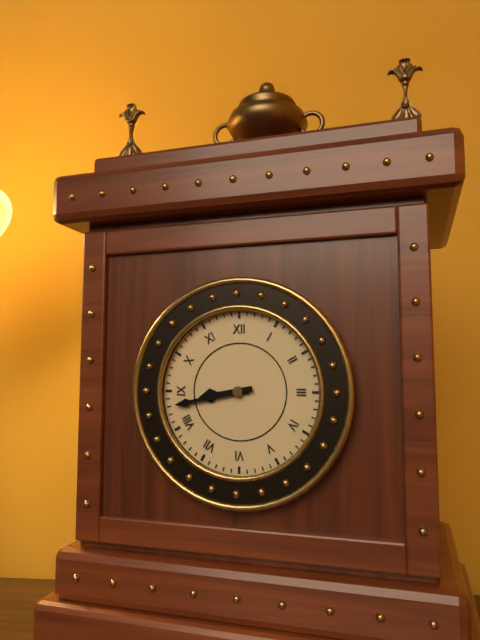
**8:43**
